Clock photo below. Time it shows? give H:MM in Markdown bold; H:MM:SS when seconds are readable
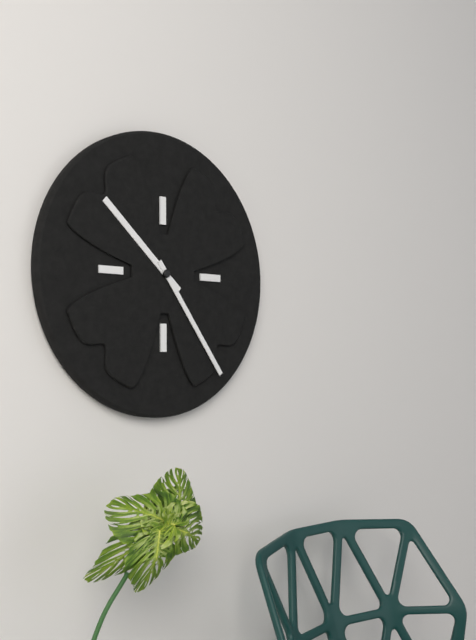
**10:24**
